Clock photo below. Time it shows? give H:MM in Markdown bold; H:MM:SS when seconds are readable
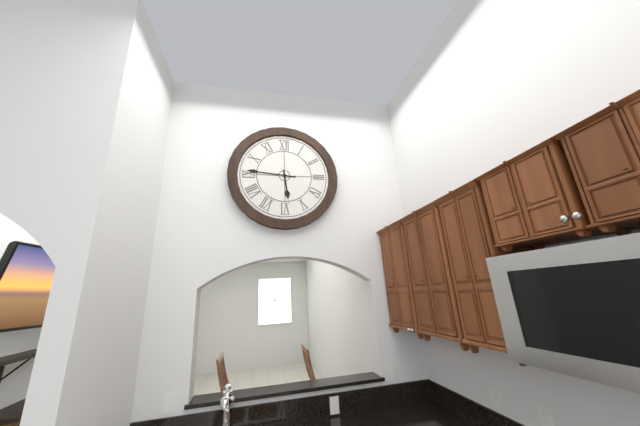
**5:46**
